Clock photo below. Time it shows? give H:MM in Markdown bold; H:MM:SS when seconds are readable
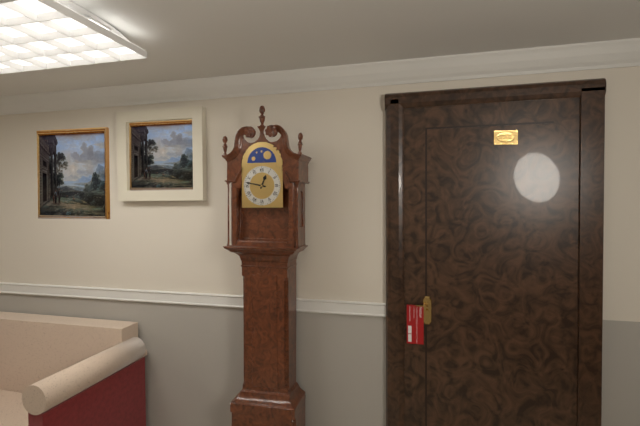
**12:47**
